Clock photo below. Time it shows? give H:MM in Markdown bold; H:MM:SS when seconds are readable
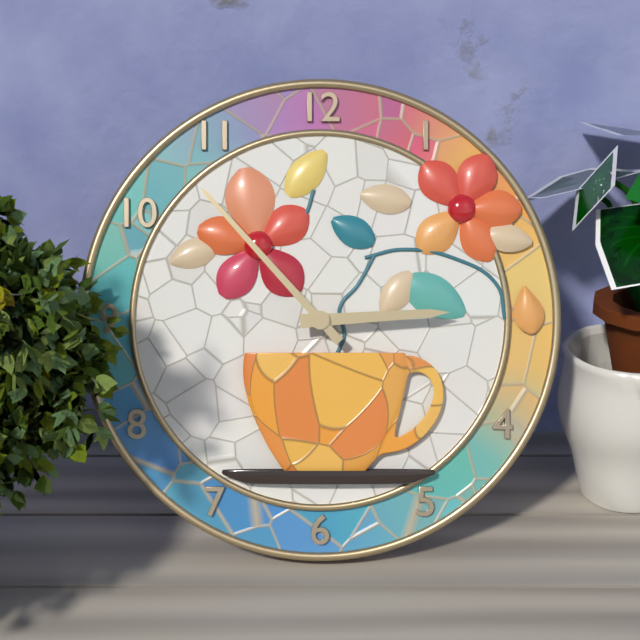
**2:53**
